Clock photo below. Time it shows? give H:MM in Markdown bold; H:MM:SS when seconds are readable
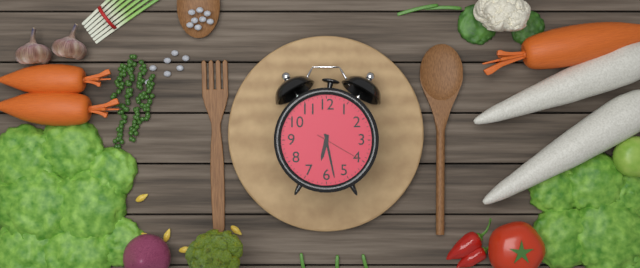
**6:28**
